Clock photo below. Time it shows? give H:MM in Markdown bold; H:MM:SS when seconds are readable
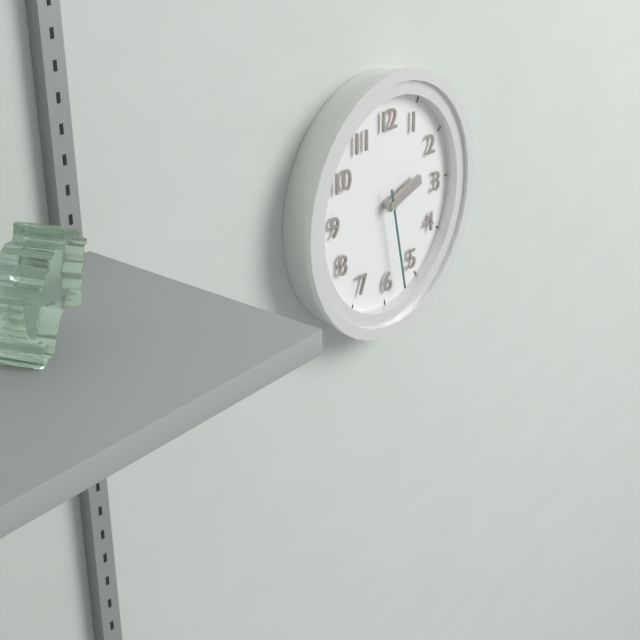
**2:28**
